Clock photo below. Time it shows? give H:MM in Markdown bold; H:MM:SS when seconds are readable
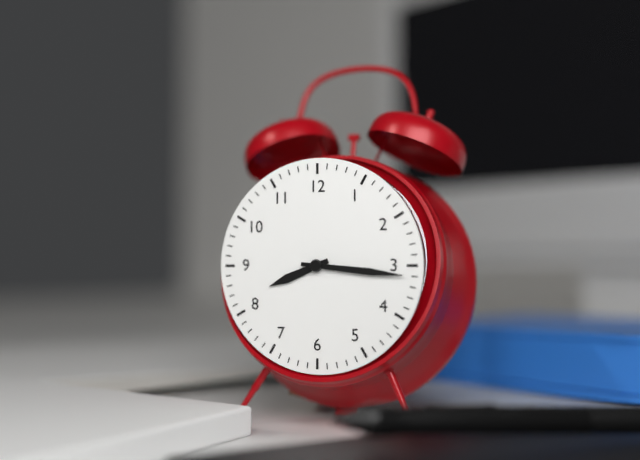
**8:16**
